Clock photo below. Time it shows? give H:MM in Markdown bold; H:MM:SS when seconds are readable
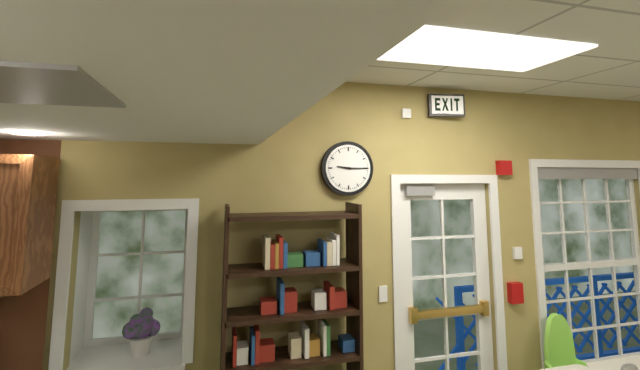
**9:15**
